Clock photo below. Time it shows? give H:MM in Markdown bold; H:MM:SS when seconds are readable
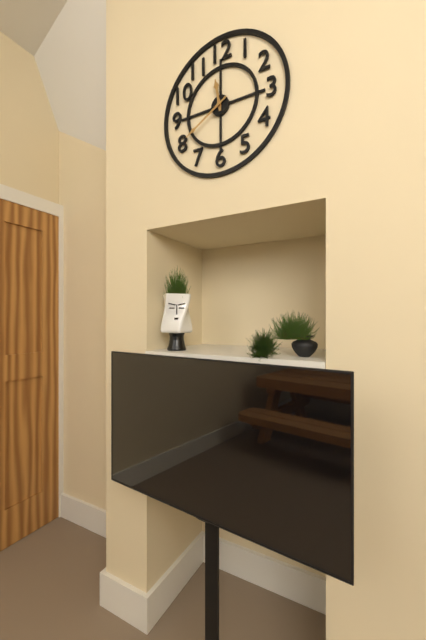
**11:40**
